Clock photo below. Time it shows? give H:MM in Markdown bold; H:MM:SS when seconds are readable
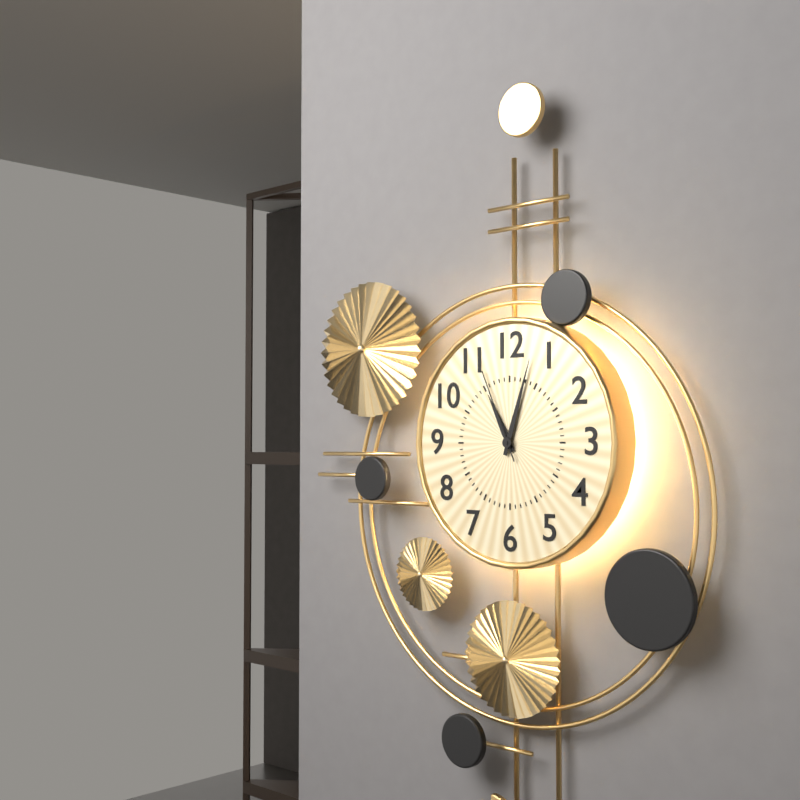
**11:03:56**
